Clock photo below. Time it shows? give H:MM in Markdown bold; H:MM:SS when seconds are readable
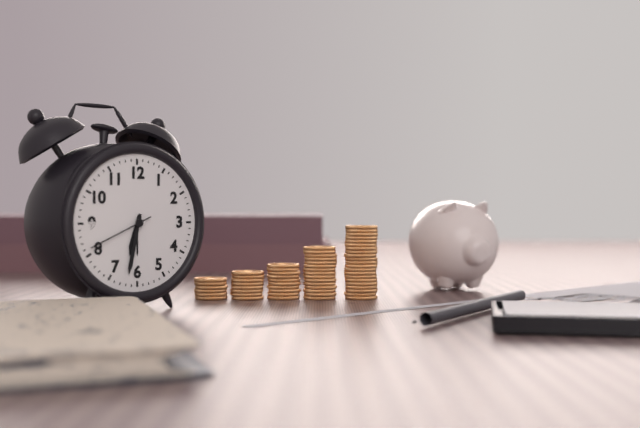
**6:32:41**
